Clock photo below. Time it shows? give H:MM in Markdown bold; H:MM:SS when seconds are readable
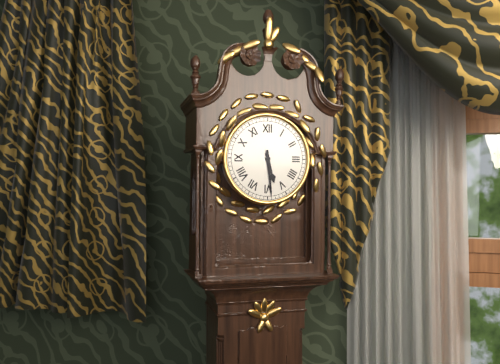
**5:29**
